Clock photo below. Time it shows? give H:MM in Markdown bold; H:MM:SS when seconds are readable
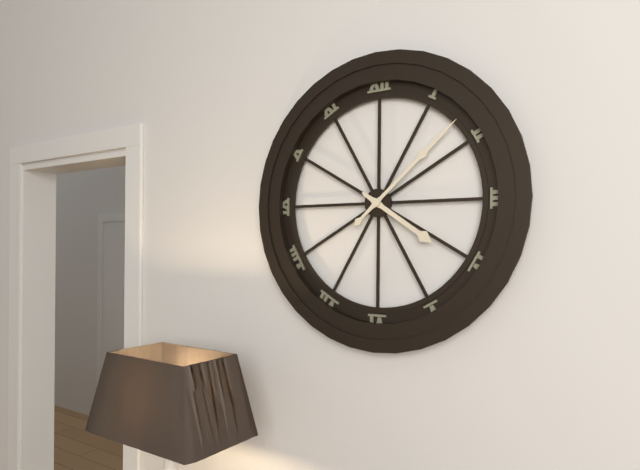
**4:08**
